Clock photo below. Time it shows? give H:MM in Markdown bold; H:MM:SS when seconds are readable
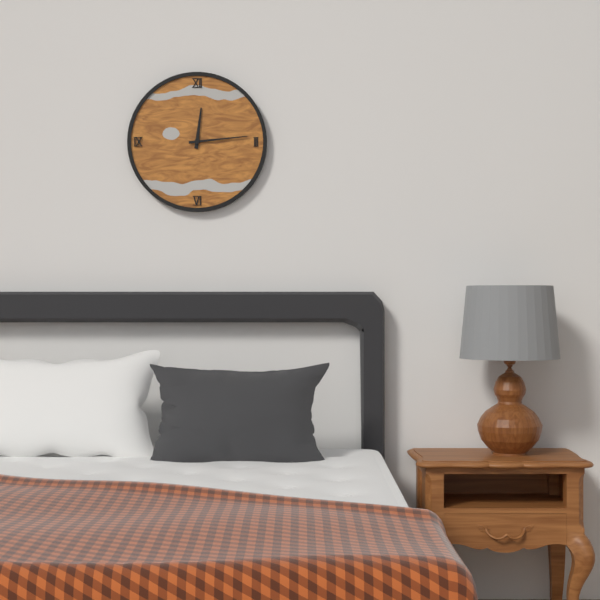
**12:14**
